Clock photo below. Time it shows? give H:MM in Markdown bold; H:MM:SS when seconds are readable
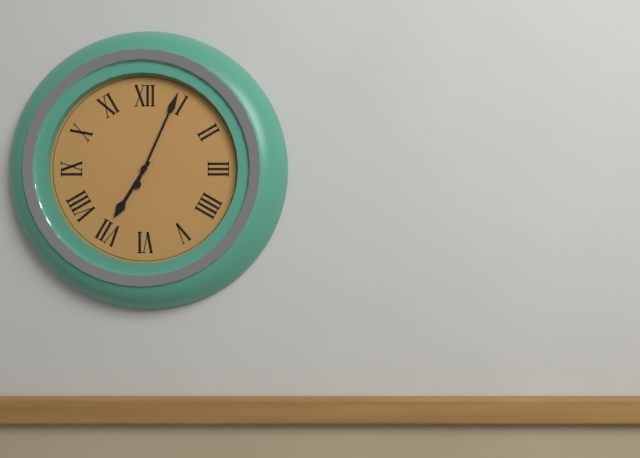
**7:04**
